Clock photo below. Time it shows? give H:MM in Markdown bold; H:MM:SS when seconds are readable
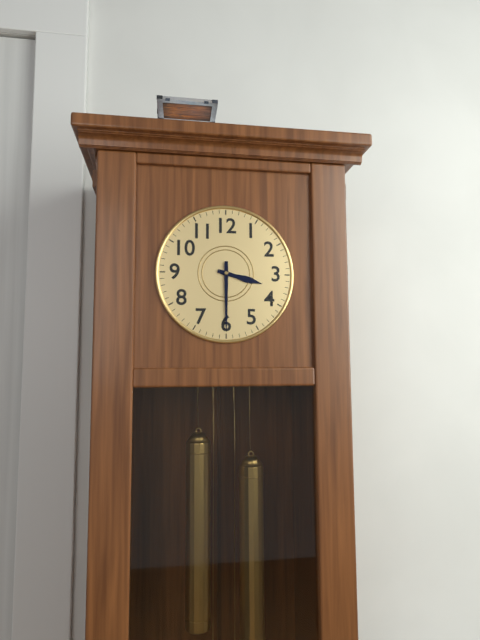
**3:30**
